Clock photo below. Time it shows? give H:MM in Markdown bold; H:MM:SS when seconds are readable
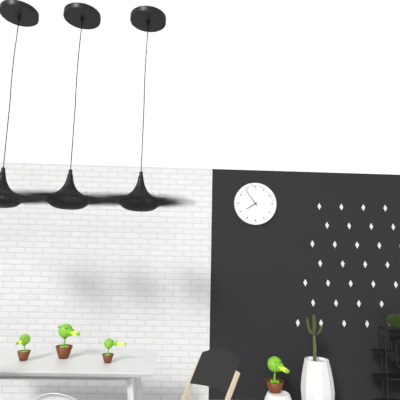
**7:54**
